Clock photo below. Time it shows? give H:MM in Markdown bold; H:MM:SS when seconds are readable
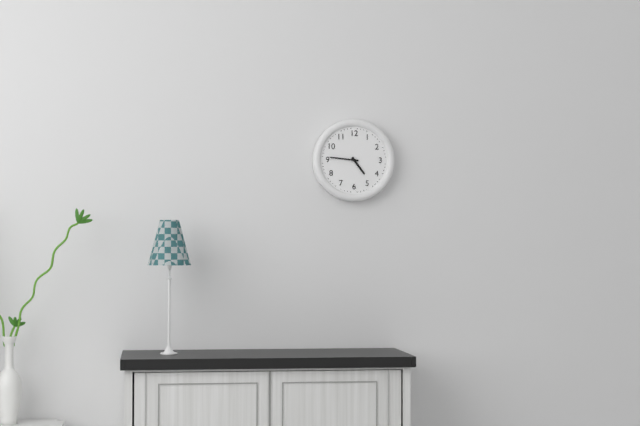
**4:46**
